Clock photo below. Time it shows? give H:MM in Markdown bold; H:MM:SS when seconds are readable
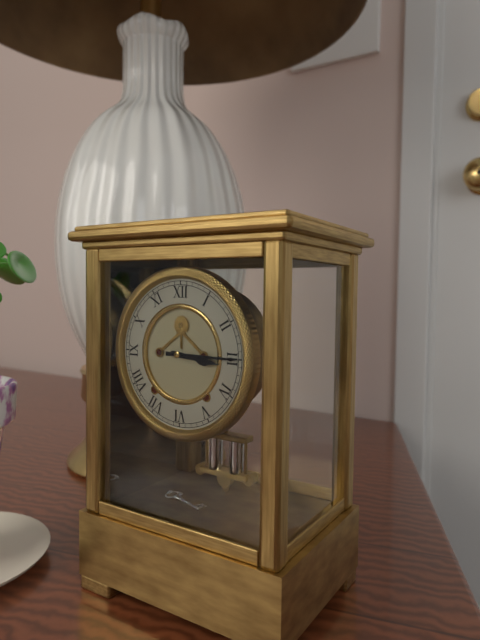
**3:15**
